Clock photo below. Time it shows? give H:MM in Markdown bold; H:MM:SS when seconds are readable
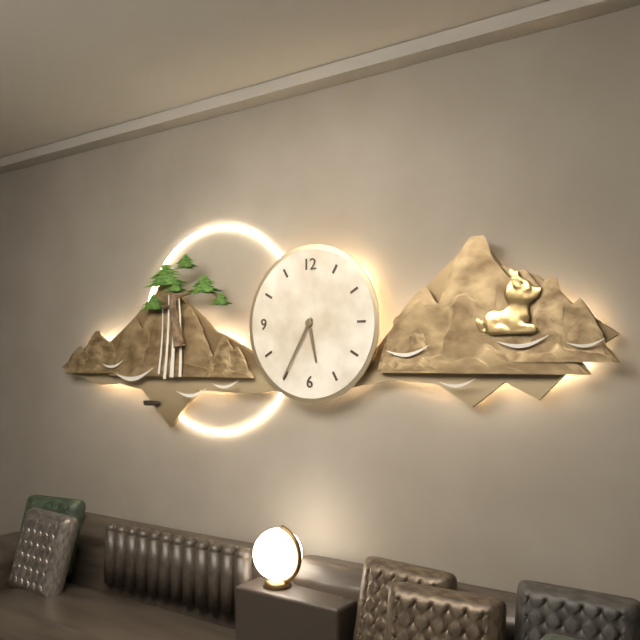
**5:35**
